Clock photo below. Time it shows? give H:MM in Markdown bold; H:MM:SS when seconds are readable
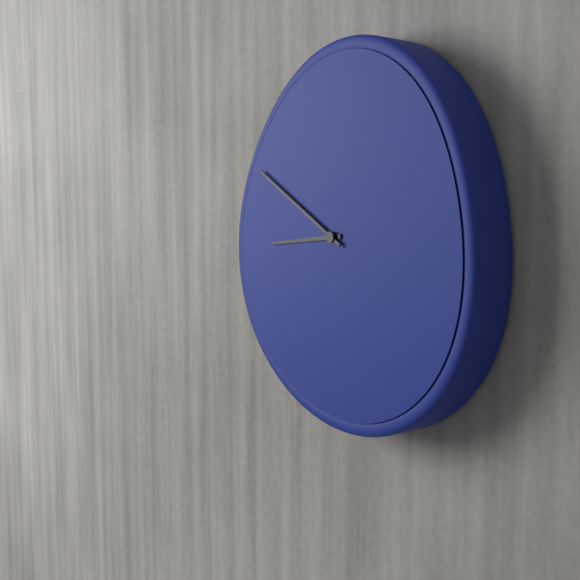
**8:50**
